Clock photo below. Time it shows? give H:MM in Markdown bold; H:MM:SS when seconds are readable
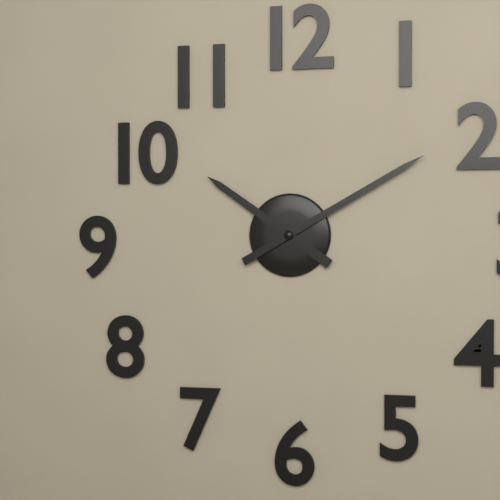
**10:10**
